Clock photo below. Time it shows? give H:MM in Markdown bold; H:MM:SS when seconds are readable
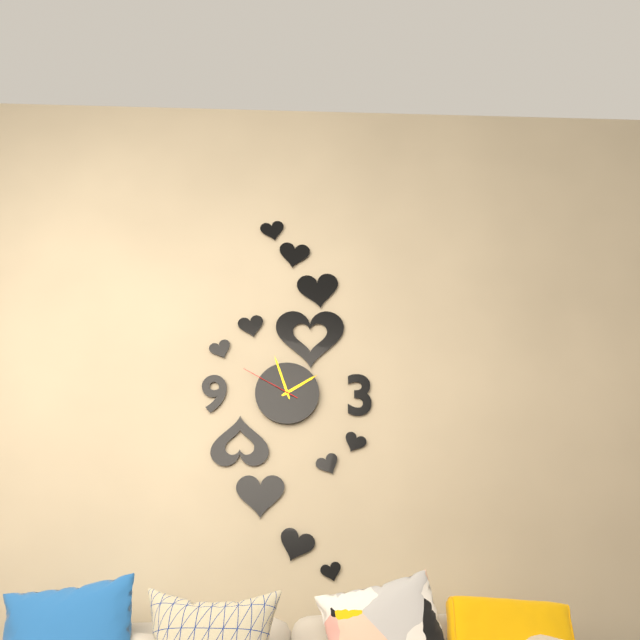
**1:57:50**
